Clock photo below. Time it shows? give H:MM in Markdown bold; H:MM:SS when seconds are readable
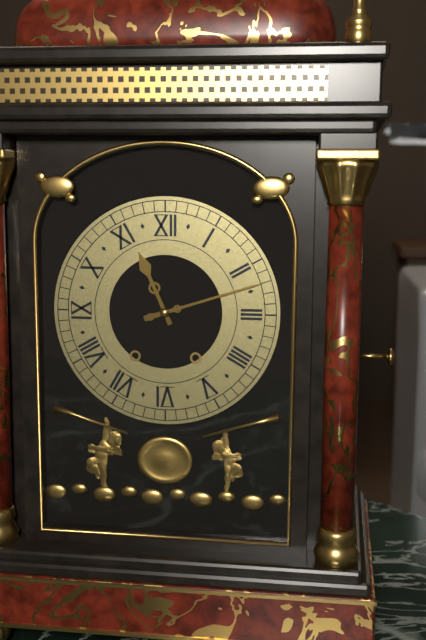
**11:12**
